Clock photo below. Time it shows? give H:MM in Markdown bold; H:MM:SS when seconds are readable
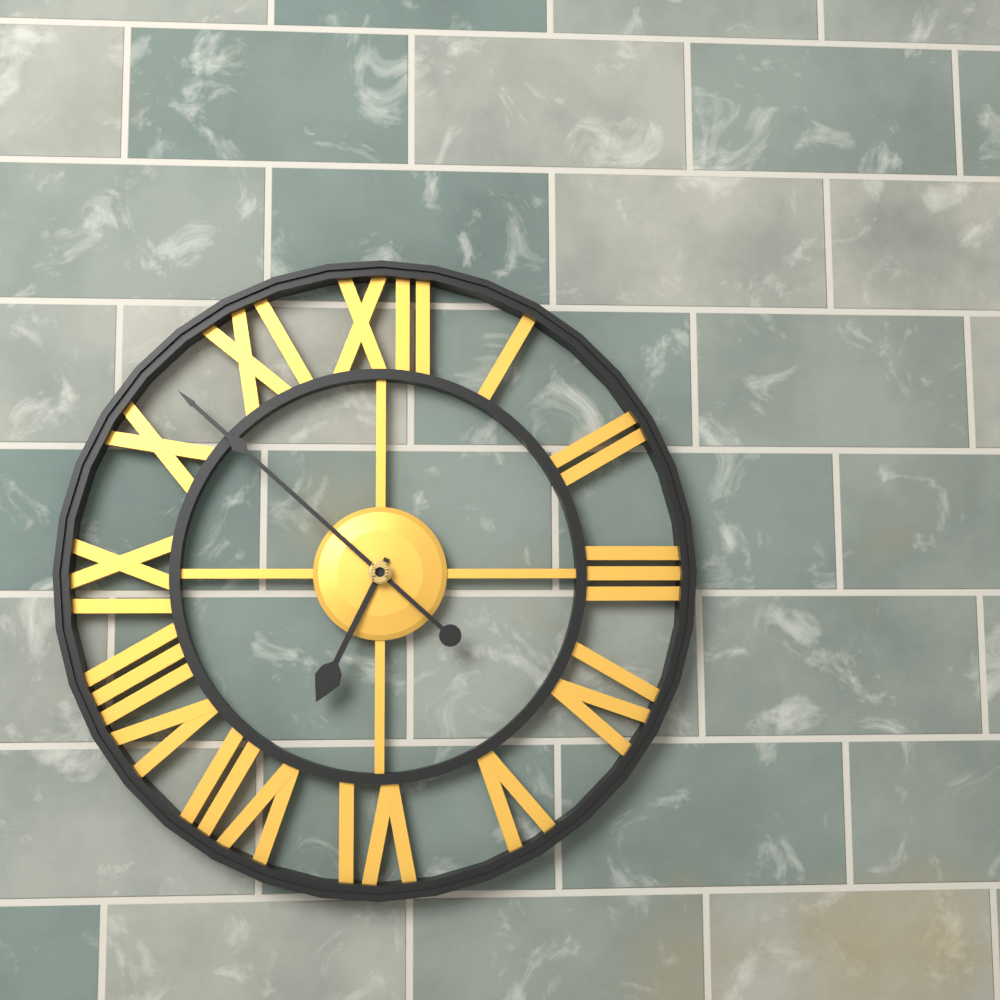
**6:52**
